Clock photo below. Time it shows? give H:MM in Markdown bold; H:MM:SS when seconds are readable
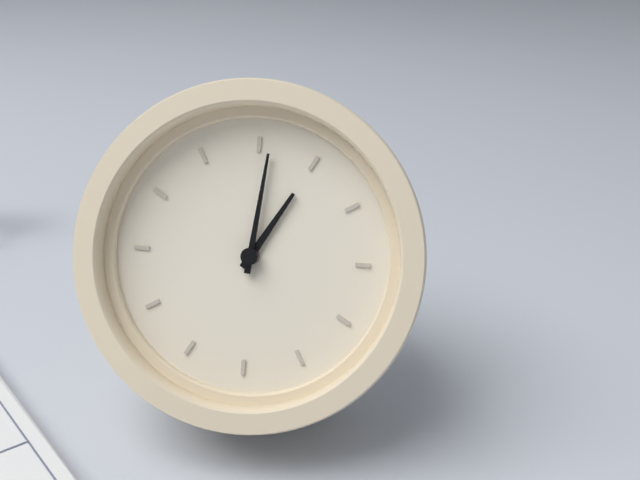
**1:01**
